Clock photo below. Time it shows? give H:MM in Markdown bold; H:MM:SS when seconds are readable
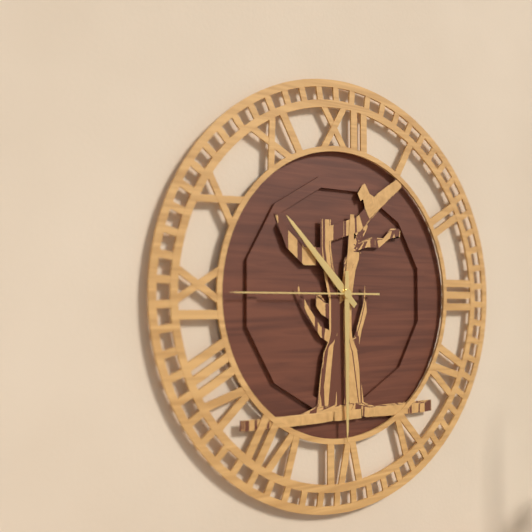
**10:30:45**
